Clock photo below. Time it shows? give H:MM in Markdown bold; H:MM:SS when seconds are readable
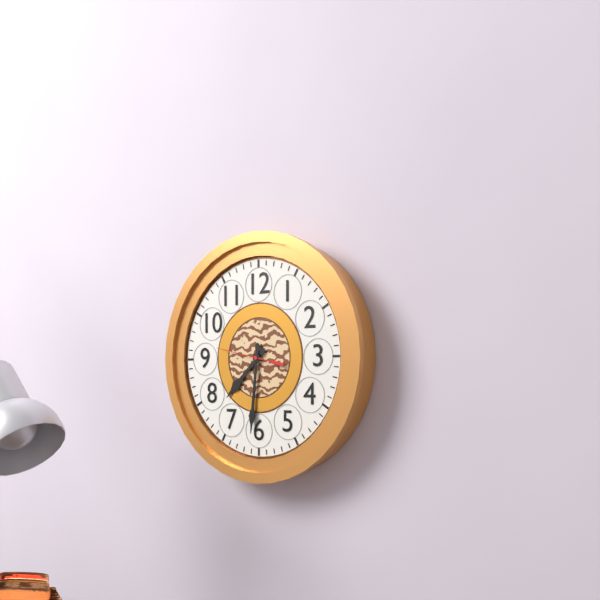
**7:31:47**
